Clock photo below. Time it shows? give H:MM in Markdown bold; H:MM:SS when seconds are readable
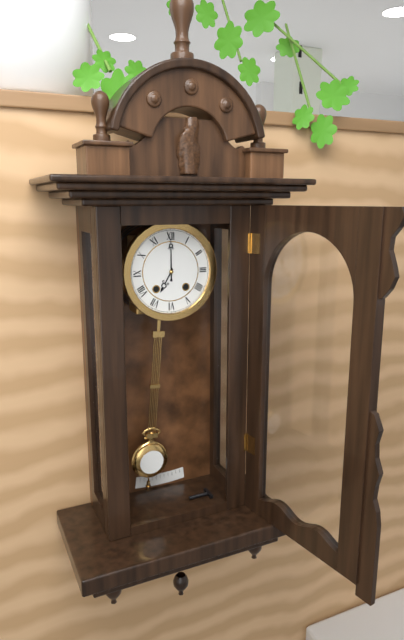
**7:00**
